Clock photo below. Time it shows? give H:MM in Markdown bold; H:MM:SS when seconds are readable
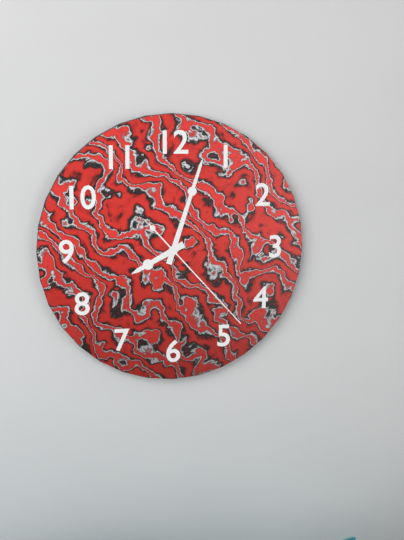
**8:03:23**
